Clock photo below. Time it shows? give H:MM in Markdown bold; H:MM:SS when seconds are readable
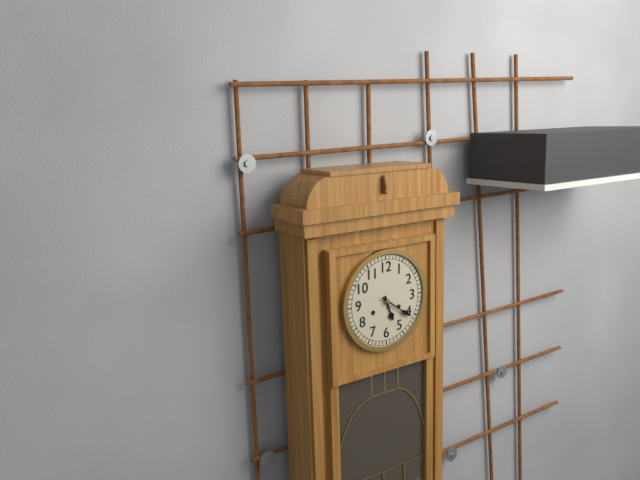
**5:21**
